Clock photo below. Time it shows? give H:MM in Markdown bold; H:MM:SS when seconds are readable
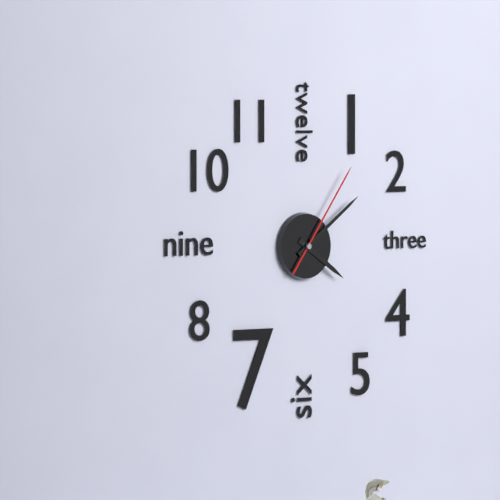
**4:09:06**
